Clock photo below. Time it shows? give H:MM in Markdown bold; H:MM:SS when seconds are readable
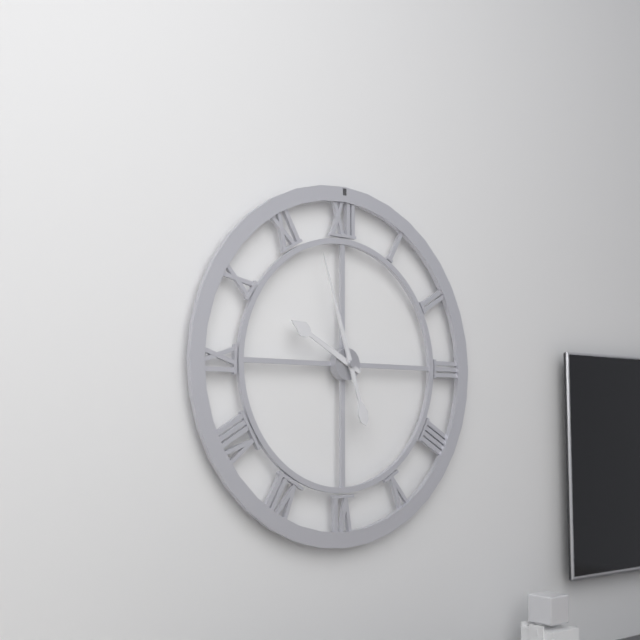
**9:57**
